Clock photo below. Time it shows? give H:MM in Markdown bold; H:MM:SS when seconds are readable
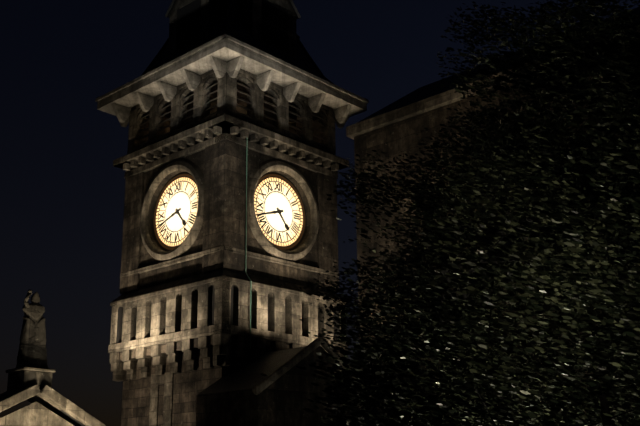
**4:42**
